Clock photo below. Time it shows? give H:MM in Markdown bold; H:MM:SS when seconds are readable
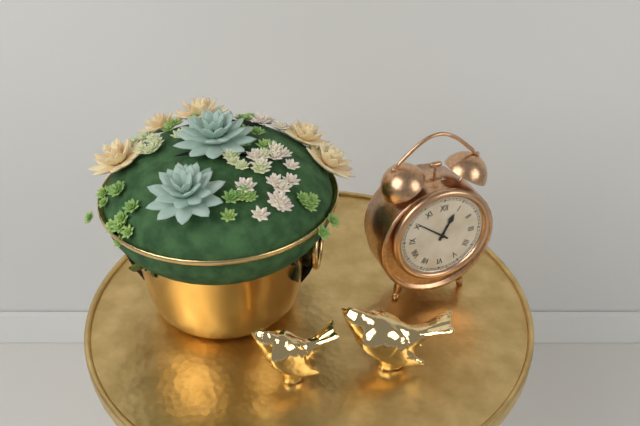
**12:51**
